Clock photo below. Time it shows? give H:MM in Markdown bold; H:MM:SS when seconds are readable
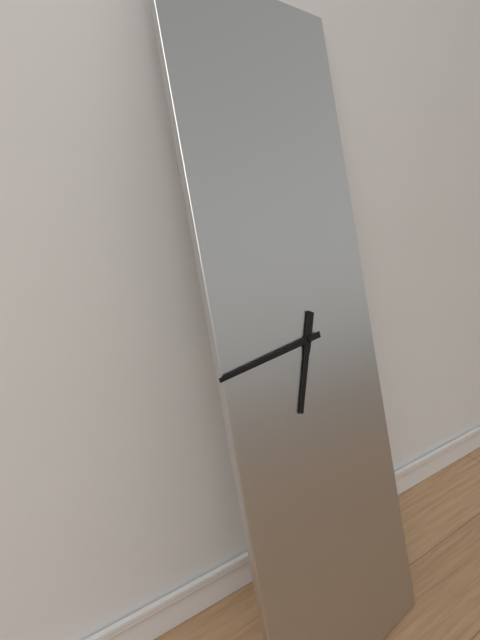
**6:44**
